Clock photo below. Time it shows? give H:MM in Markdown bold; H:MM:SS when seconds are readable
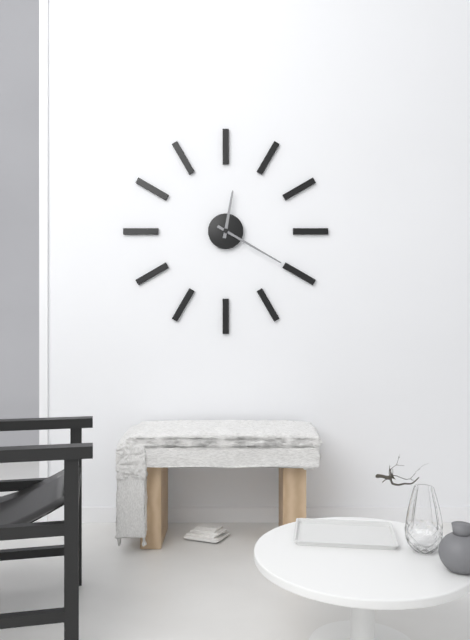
**12:20**
